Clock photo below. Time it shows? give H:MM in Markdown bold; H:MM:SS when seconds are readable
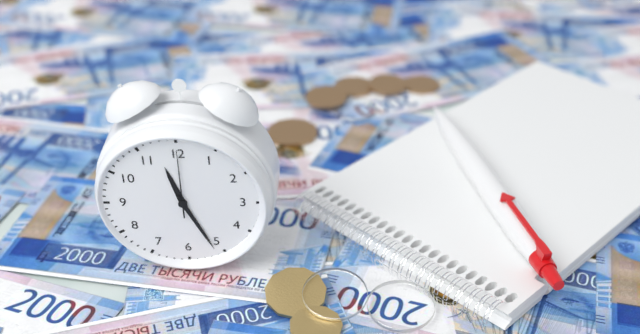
**11:26:00**
